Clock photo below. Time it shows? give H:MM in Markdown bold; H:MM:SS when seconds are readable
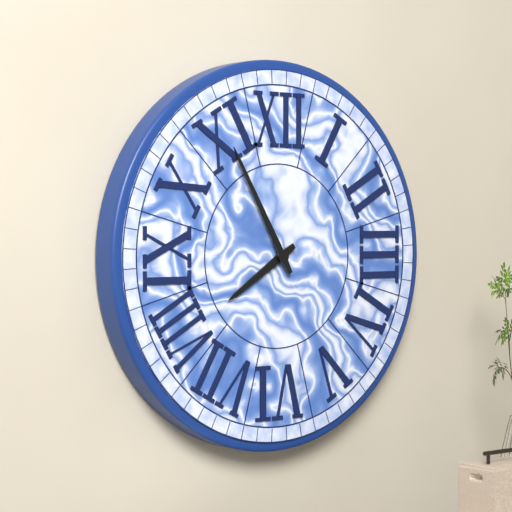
**7:55**
